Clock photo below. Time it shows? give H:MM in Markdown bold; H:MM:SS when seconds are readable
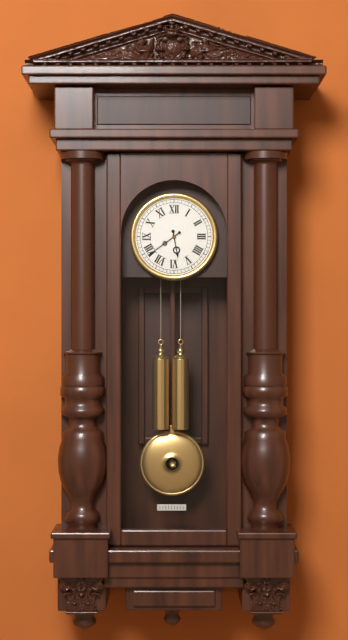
**5:39**
